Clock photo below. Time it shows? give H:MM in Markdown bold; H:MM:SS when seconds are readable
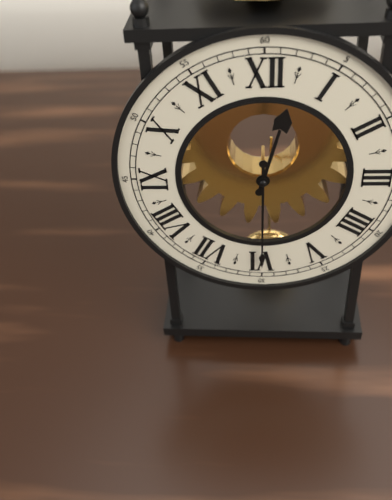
**12:30**
